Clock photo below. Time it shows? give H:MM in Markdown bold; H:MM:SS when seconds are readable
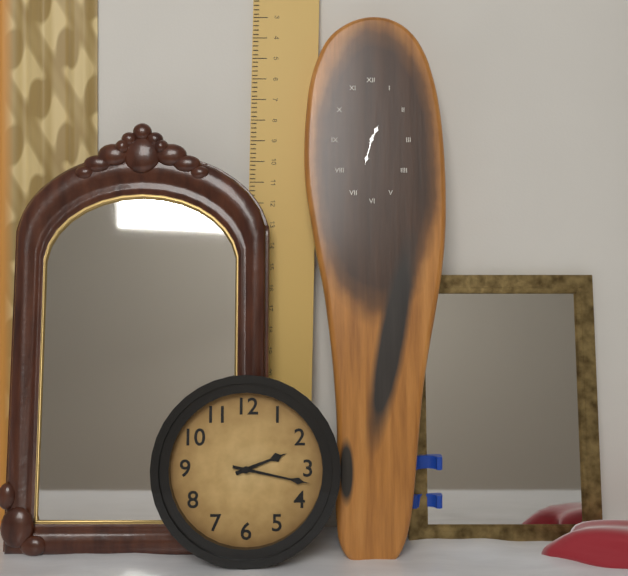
**2:17**
